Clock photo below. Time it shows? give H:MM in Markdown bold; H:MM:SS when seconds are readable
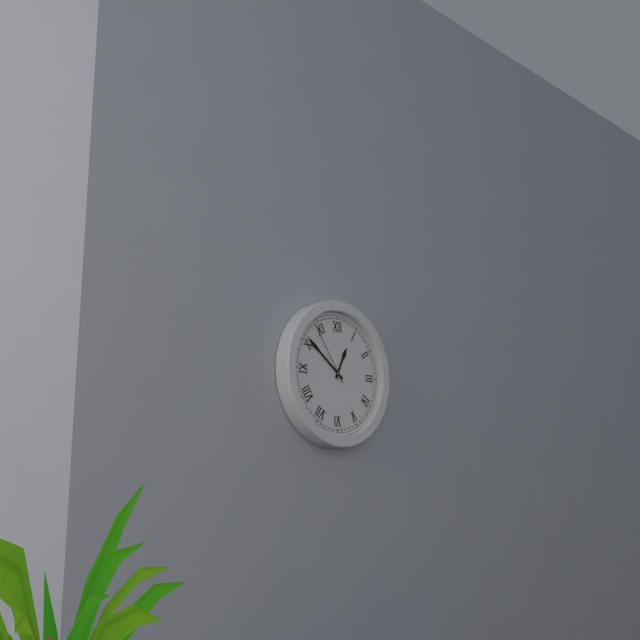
**12:51:54**
